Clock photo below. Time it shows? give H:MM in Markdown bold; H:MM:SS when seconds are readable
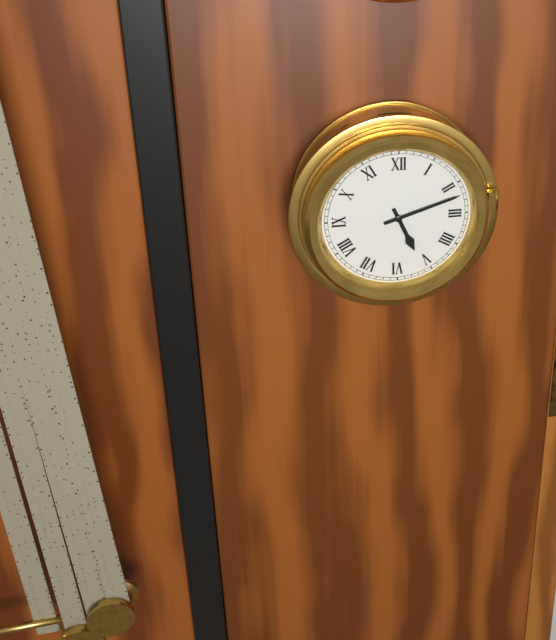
**5:12**
